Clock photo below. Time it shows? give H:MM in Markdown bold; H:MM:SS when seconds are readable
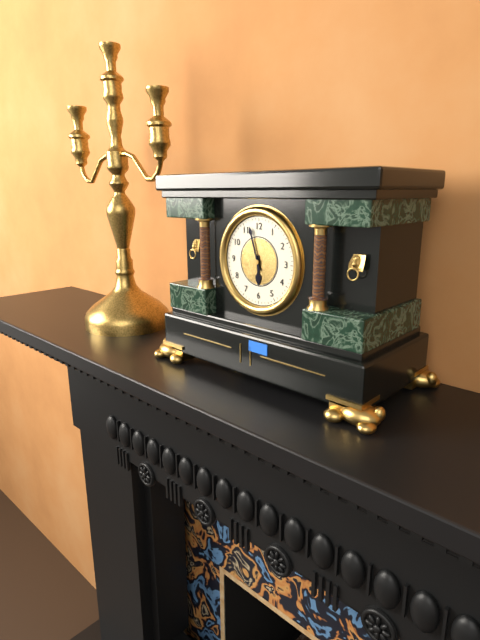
**5:57**
